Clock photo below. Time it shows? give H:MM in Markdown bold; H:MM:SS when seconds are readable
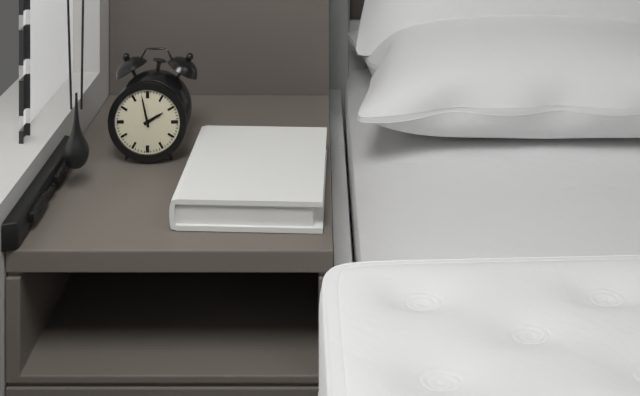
**1:58**
